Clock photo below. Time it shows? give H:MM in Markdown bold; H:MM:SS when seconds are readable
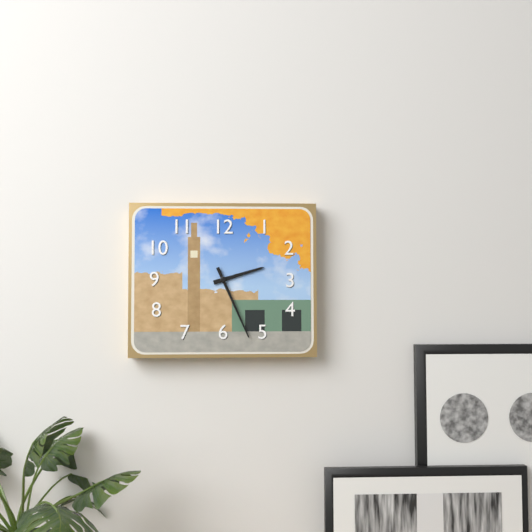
**2:26**
